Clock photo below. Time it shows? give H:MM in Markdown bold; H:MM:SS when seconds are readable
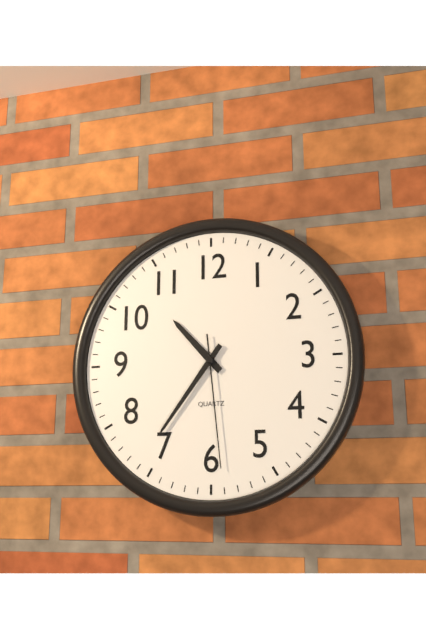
**10:36:29**
